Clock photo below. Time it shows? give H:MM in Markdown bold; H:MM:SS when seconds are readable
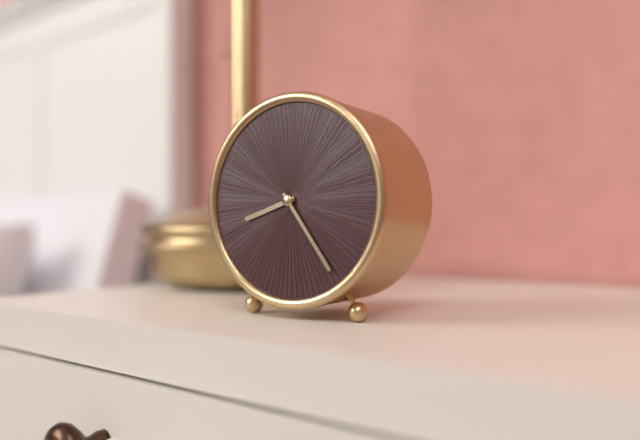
**8:24**
